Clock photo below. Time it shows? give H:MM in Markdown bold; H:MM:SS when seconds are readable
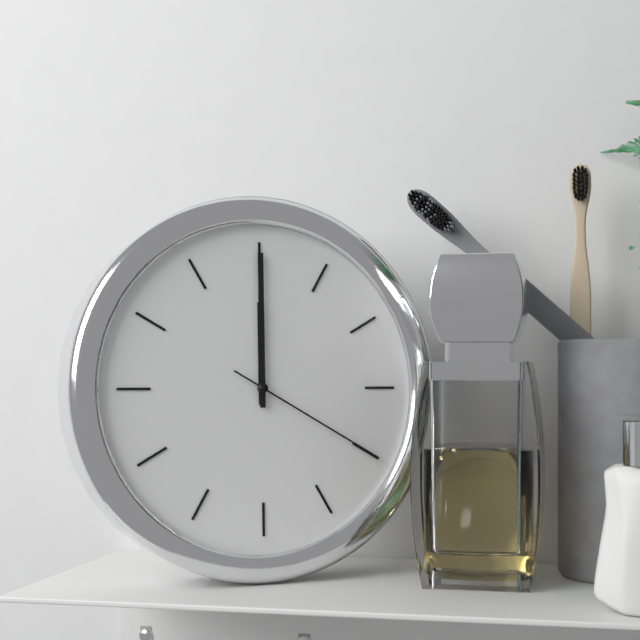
**12:00:20**
